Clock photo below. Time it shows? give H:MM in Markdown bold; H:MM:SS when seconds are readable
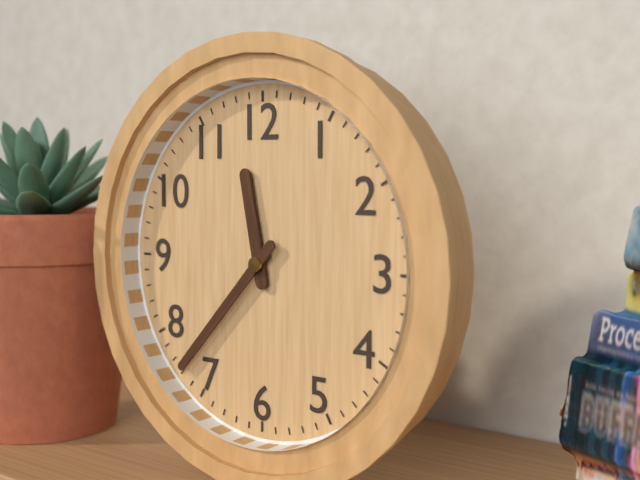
**11:37**
